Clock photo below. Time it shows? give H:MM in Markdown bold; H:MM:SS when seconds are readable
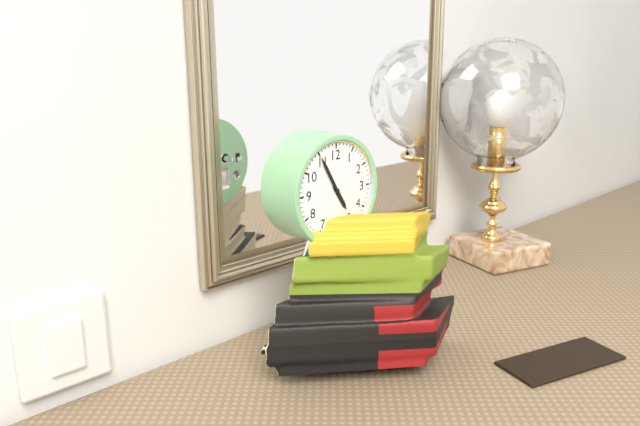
**4:55**
